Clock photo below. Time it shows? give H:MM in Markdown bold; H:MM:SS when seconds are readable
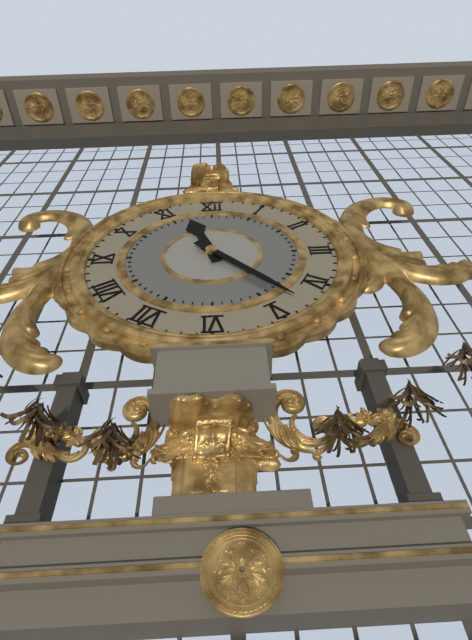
**11:23**
